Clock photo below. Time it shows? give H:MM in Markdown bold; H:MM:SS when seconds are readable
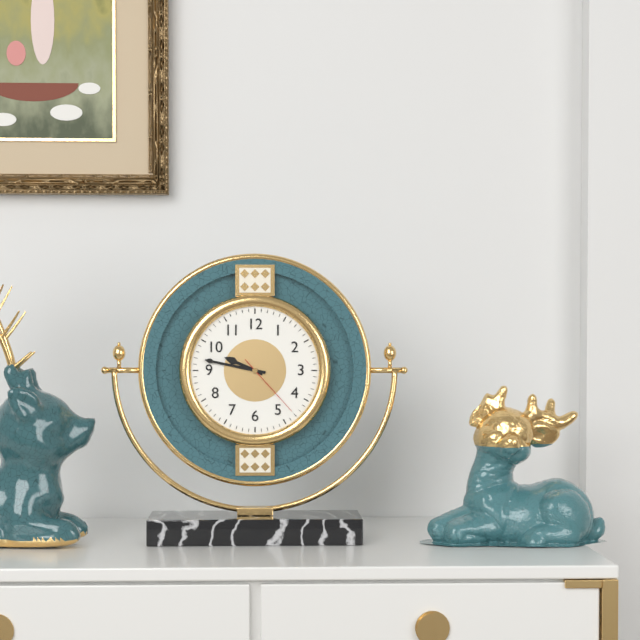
**9:47:23**
